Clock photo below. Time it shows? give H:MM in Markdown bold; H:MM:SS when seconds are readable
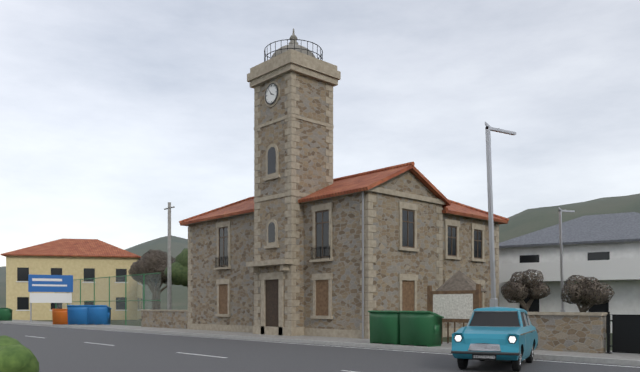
**3:54**
